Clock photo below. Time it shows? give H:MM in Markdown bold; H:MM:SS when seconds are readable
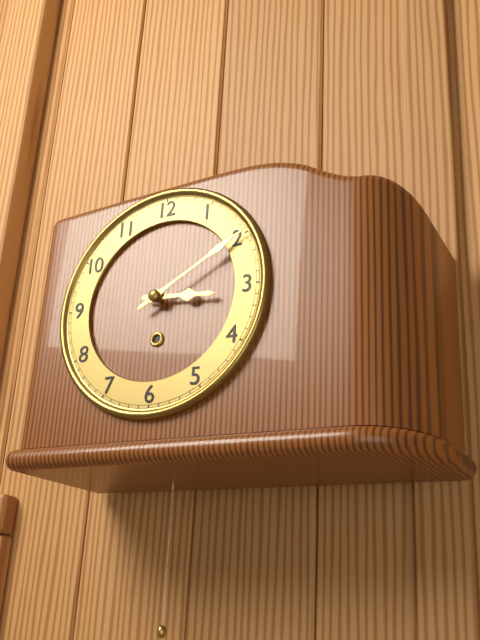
**3:10**
